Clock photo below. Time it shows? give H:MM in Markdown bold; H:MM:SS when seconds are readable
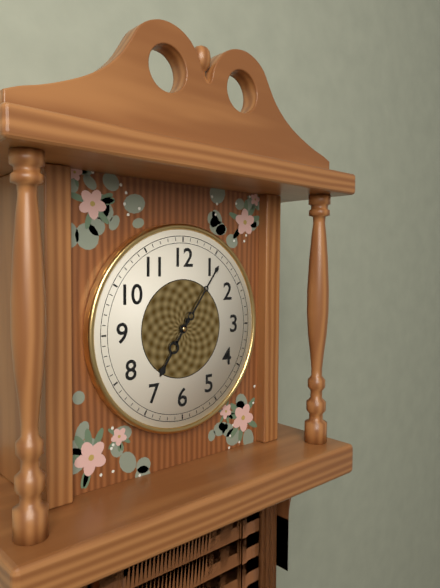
**7:06**
